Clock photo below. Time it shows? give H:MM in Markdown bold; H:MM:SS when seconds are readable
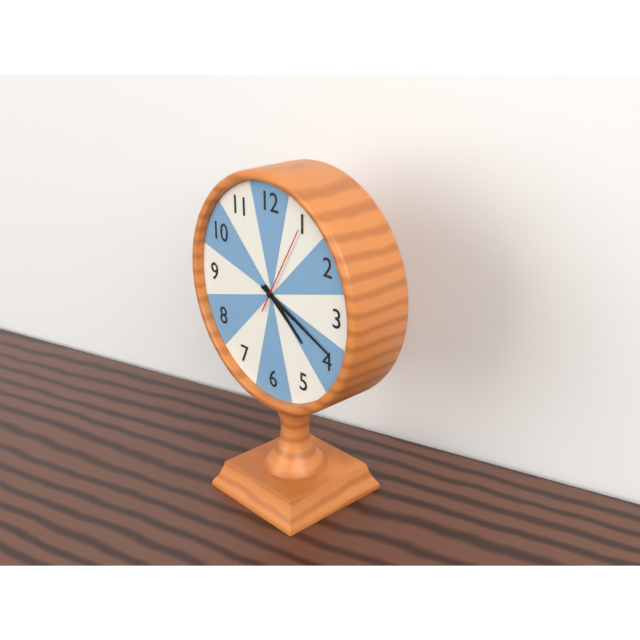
**4:19:05**
